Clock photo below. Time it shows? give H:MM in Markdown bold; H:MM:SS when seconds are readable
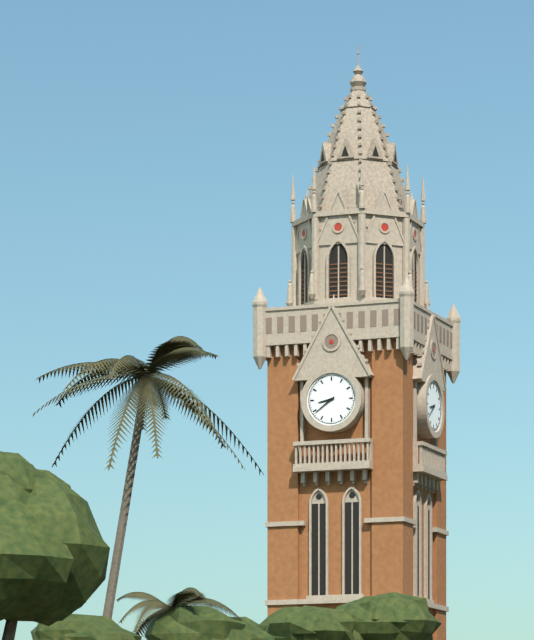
**8:39**
